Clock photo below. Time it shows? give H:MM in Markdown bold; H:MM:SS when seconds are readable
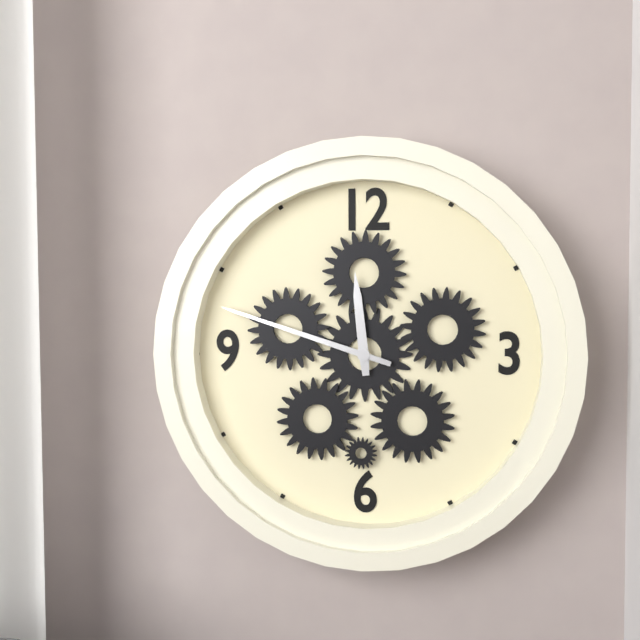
**11:48**
